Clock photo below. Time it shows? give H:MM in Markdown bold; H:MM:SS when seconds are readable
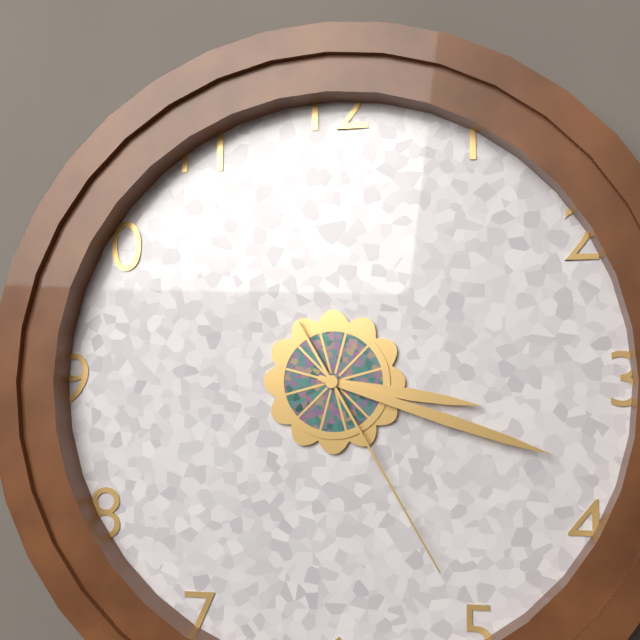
**3:18:25**
